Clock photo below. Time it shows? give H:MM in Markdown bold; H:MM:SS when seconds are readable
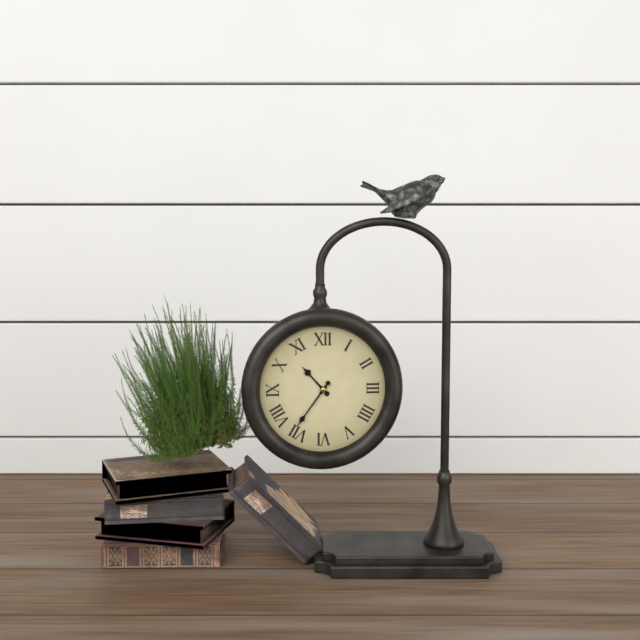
**10:36**
